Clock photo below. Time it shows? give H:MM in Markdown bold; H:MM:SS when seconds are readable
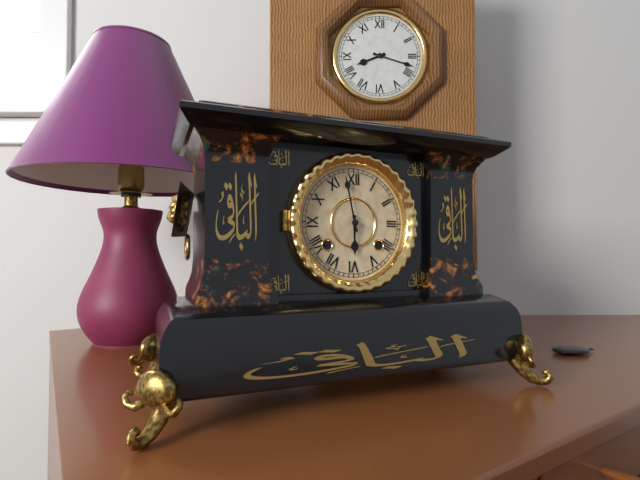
**5:58**
